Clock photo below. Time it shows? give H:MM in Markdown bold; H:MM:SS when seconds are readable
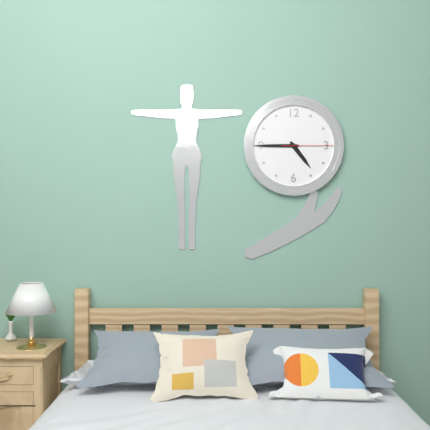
**4:45:15**
